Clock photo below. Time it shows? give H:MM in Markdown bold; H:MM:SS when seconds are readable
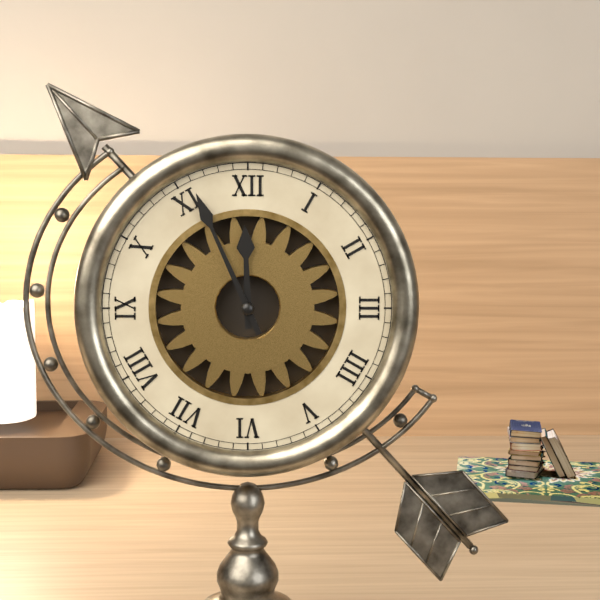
**11:56**
